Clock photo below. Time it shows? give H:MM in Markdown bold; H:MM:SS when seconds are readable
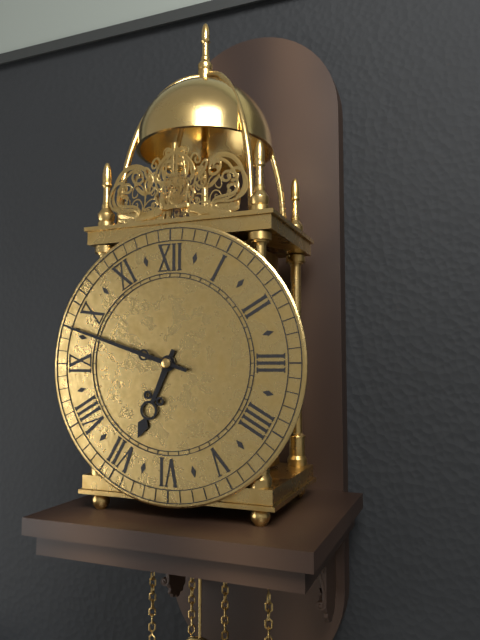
**6:48**
